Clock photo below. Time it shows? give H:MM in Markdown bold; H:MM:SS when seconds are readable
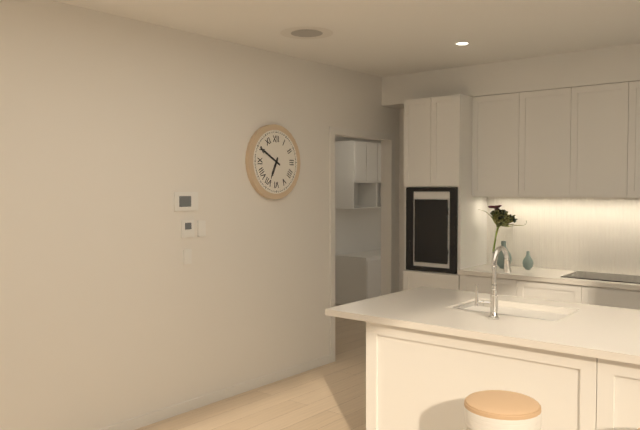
**6:50**
